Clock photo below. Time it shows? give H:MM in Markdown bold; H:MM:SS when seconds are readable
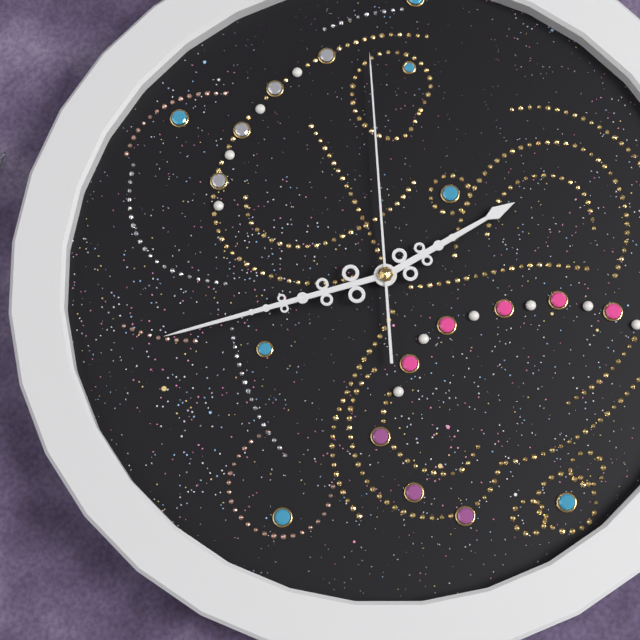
**9:19:36**
